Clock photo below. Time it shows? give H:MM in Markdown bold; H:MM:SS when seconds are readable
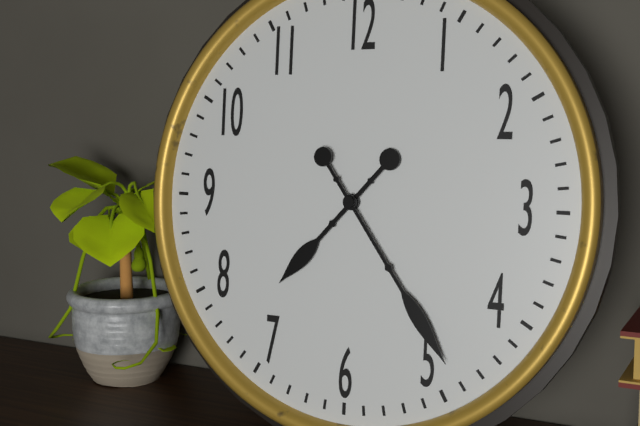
**7:24**
